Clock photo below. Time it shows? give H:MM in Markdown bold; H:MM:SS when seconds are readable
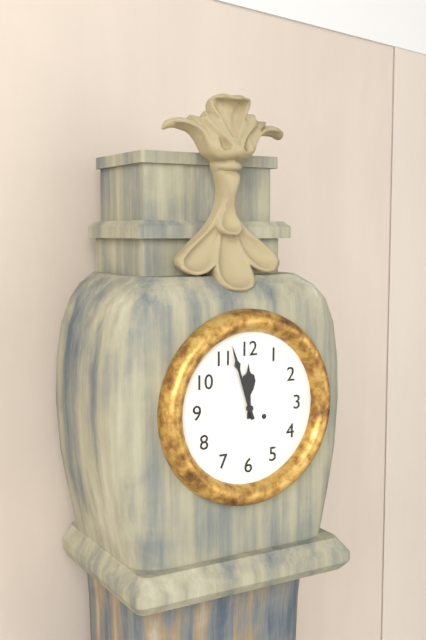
**11:57**
